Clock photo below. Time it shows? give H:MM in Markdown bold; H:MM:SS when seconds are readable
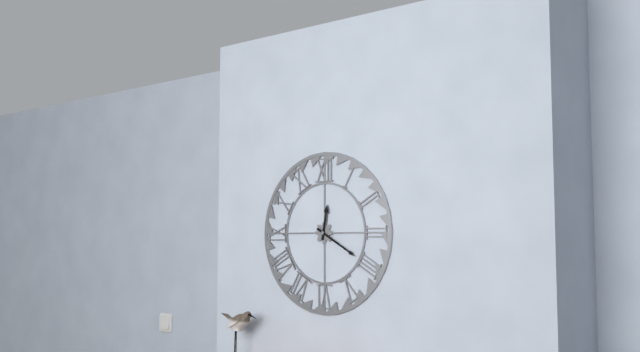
**12:20**
